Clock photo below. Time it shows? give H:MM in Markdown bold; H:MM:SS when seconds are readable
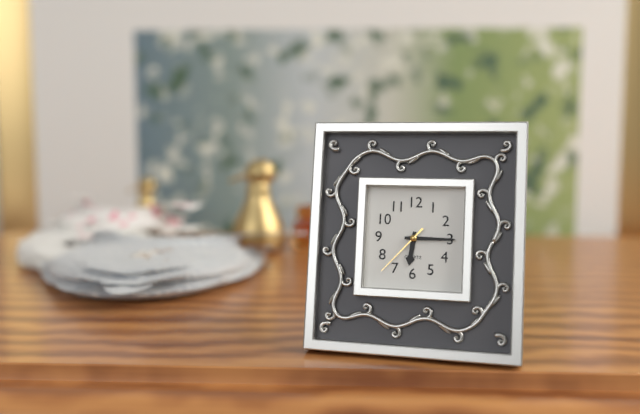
**6:15:37**
